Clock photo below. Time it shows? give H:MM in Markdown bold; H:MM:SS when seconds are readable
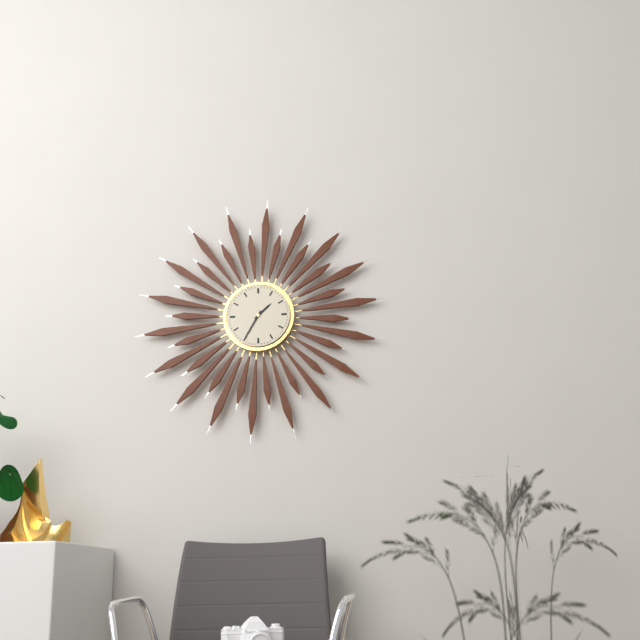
**1:35**
